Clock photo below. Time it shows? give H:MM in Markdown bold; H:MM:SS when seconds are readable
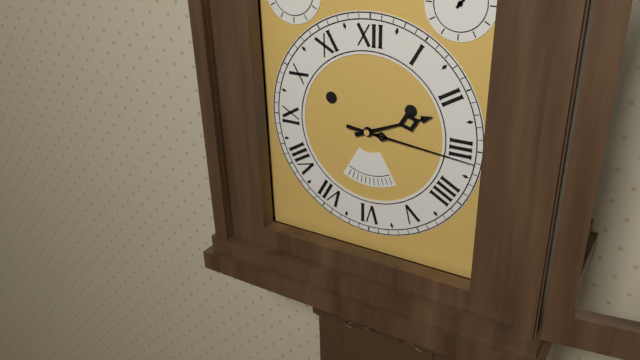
**2:16**
